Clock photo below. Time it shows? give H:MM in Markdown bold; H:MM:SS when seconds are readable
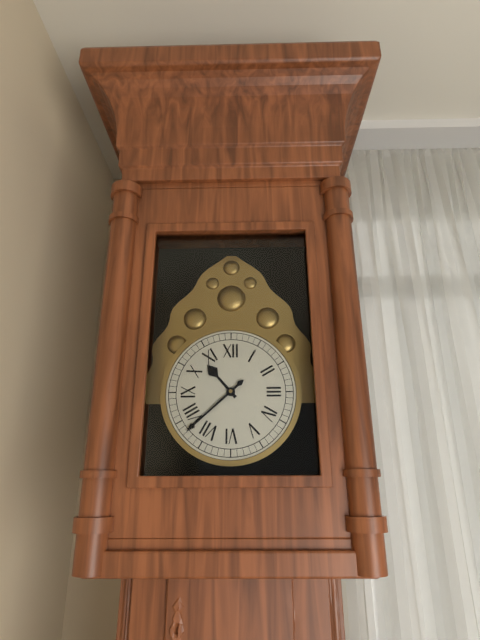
**10:38**
